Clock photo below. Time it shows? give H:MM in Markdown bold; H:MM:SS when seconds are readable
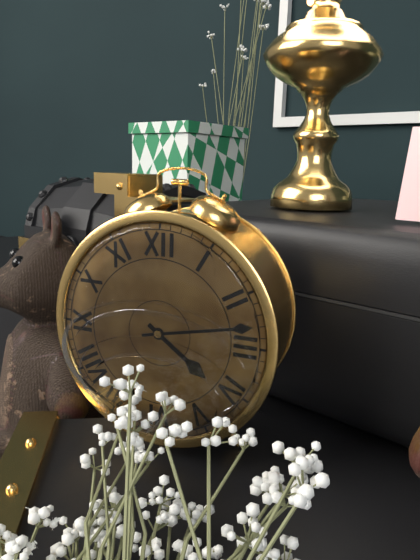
**4:13**
